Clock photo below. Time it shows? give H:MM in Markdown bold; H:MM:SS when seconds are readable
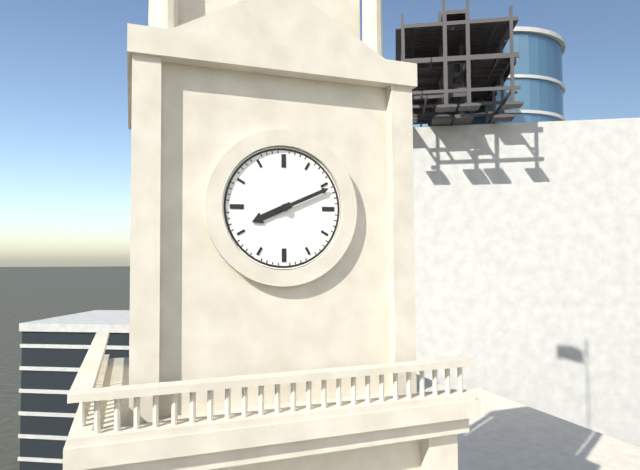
**8:11**
